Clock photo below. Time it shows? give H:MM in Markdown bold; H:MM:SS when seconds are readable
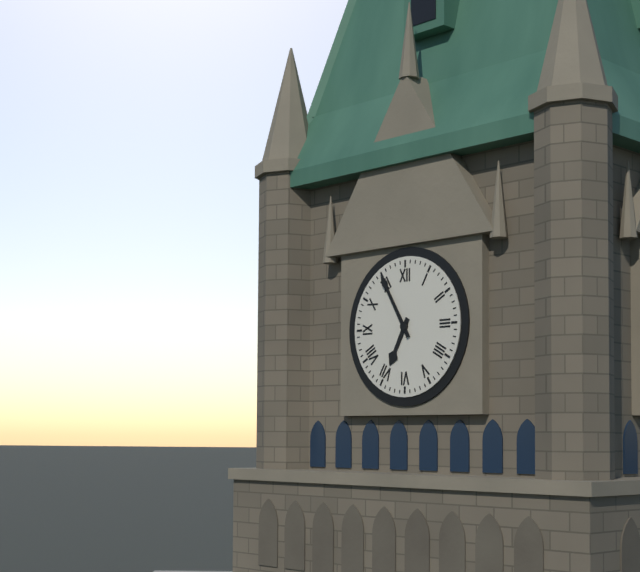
**6:55**
